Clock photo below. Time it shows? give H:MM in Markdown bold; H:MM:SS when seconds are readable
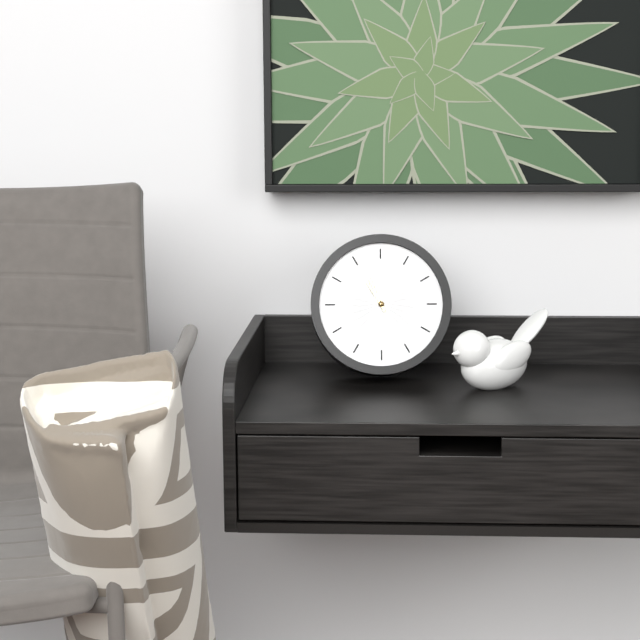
**10:56**
